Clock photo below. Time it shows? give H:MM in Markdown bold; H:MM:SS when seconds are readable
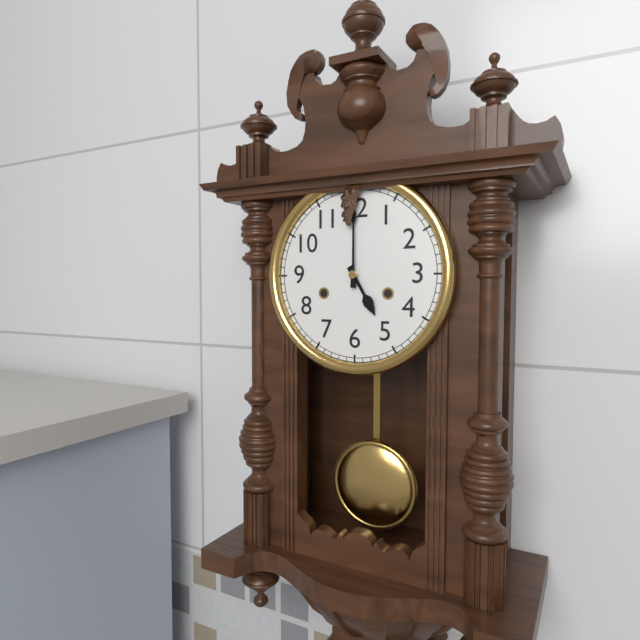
**5:00**
